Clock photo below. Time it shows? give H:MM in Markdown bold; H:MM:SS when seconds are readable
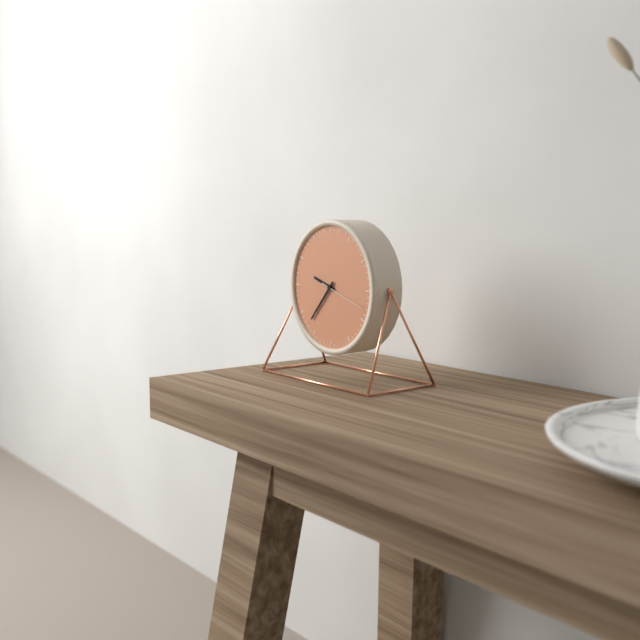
**9:37**
